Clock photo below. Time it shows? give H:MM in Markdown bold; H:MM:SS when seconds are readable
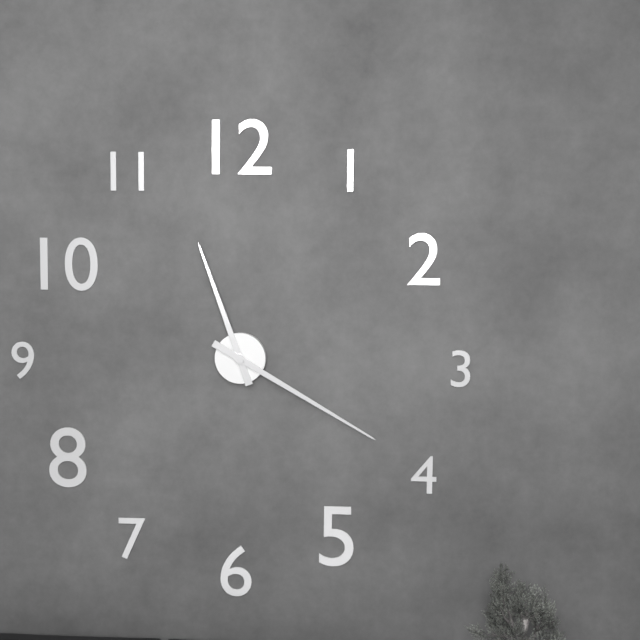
**11:20**
